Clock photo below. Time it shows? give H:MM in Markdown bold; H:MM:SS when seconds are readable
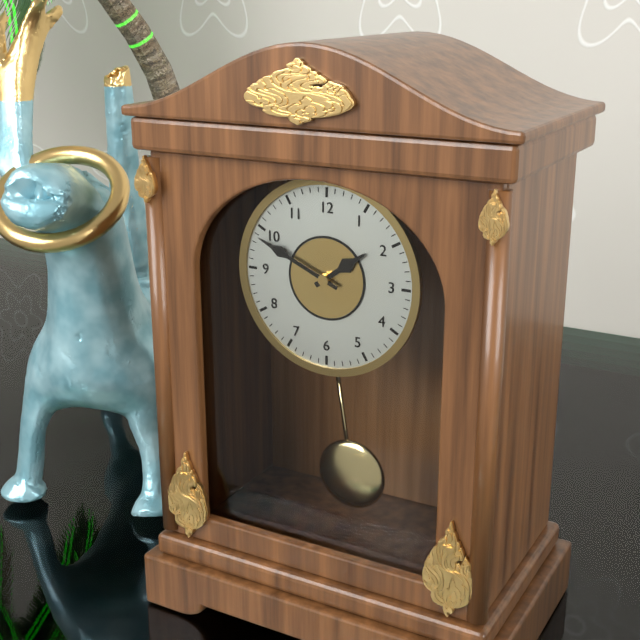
**1:49**
